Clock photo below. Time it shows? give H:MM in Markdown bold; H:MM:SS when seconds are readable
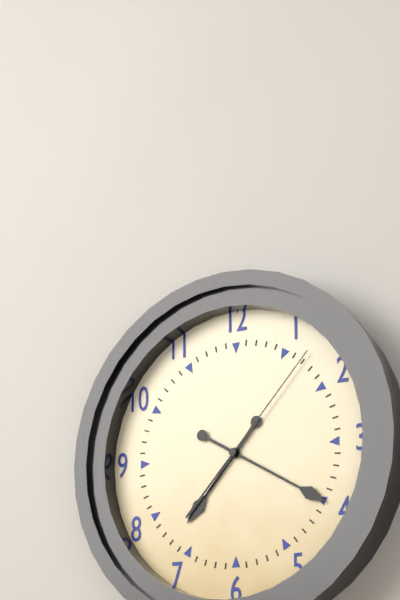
**7:20:07**
